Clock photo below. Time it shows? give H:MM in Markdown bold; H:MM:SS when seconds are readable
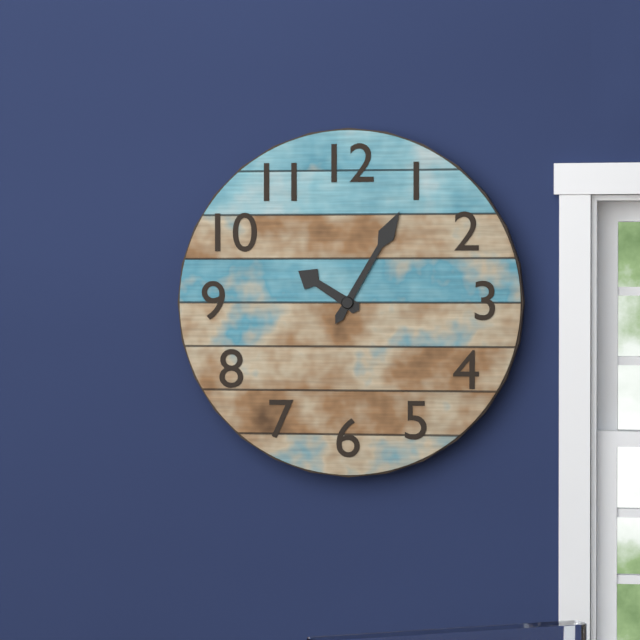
**10:05**
